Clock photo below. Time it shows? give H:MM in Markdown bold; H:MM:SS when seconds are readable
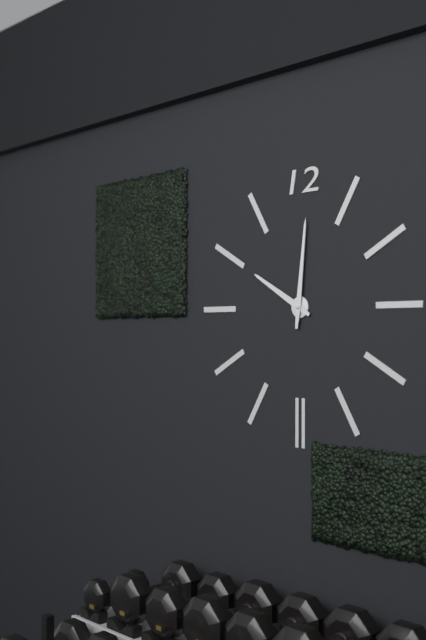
**10:01**
